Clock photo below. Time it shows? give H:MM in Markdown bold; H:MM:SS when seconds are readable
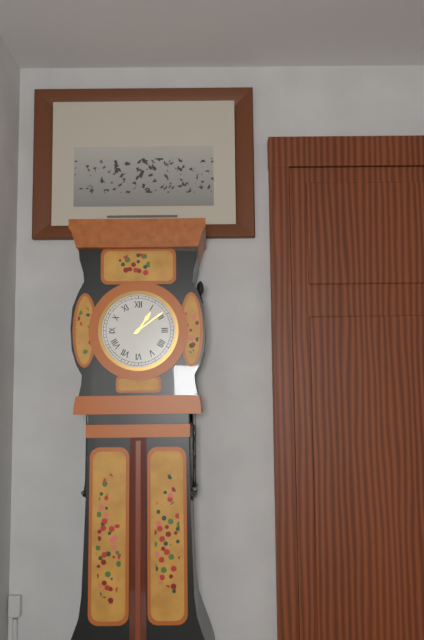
**1:09**
